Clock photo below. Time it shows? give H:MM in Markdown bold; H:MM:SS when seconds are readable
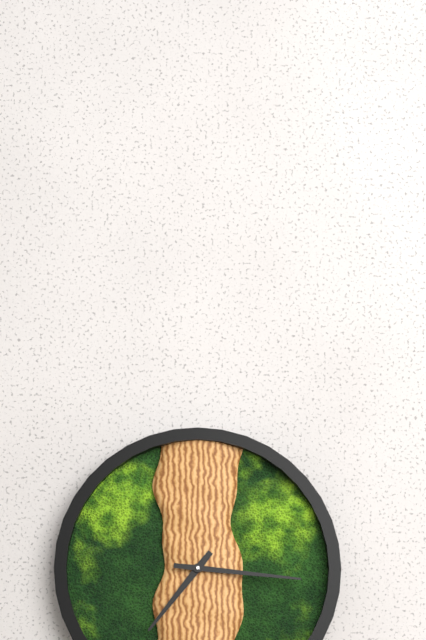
**7:16**
